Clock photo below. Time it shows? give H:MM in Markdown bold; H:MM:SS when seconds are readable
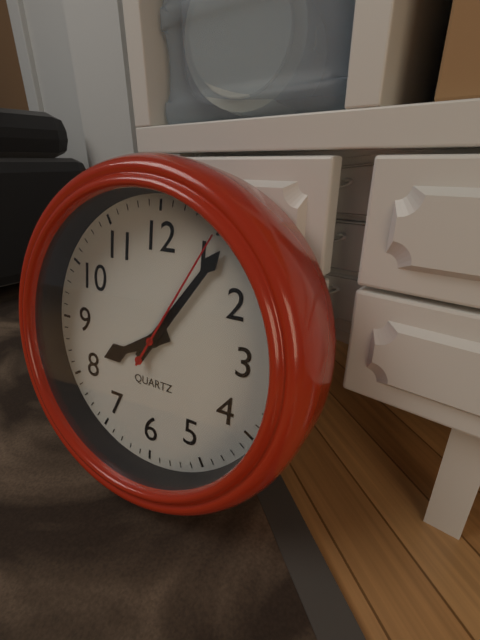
**8:06:05**
